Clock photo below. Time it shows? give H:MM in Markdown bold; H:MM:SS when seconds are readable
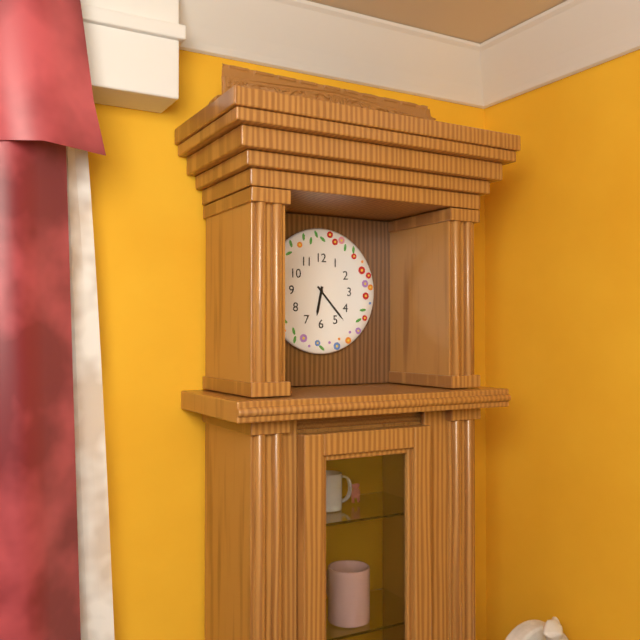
**6:23**
